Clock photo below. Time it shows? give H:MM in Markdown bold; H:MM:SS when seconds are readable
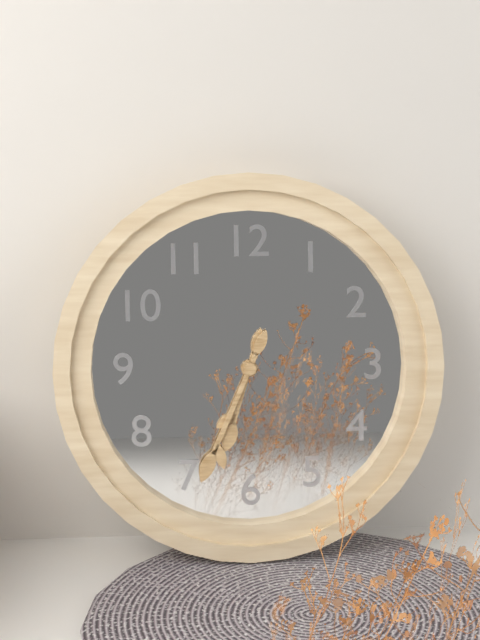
**6:34**
